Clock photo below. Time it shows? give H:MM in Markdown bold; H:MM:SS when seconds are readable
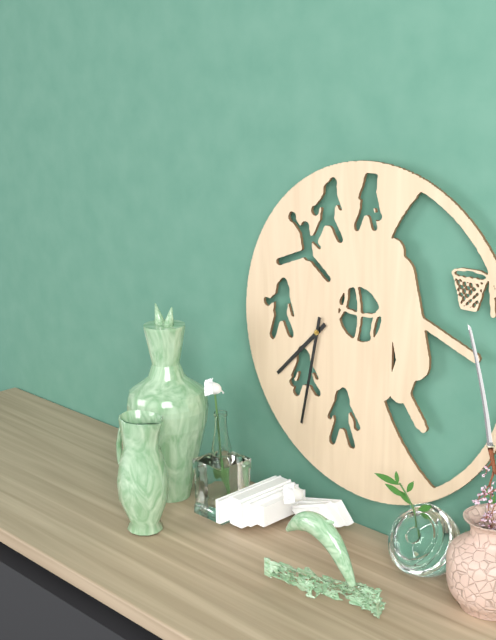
**7:32**
